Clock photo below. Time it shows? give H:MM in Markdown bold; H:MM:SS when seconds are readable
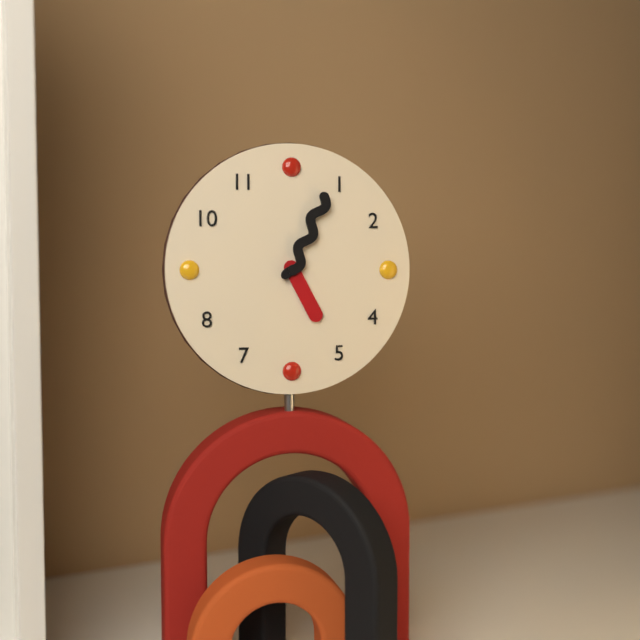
**5:04**
